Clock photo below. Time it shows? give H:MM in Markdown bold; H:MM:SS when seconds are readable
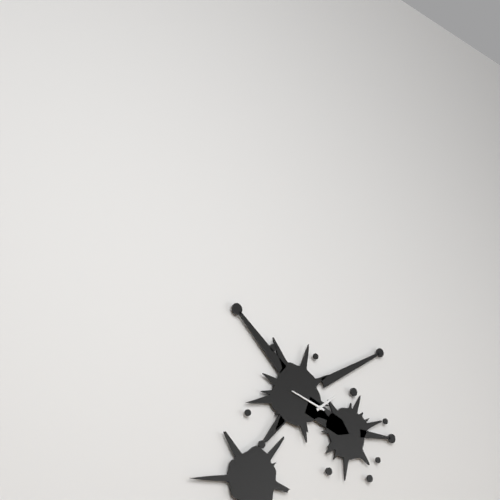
**1:48**
